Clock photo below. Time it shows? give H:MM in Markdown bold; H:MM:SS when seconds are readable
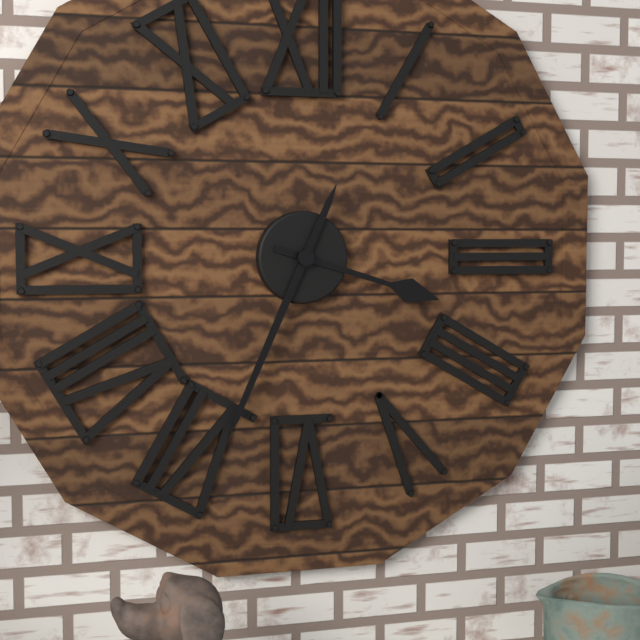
**3:34**
